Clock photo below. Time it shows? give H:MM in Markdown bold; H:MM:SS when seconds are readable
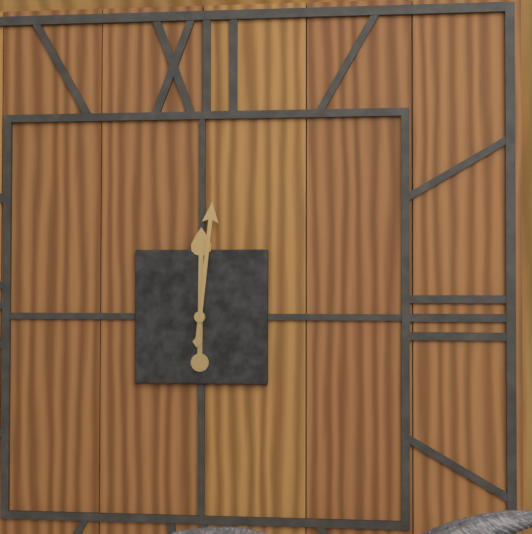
**12:01**
